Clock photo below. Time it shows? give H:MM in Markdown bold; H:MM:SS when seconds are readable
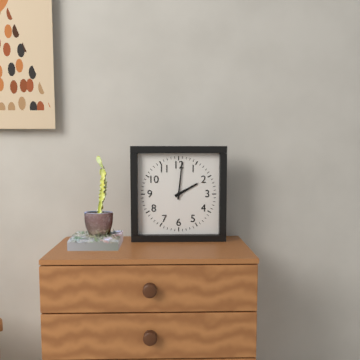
**2:01**
